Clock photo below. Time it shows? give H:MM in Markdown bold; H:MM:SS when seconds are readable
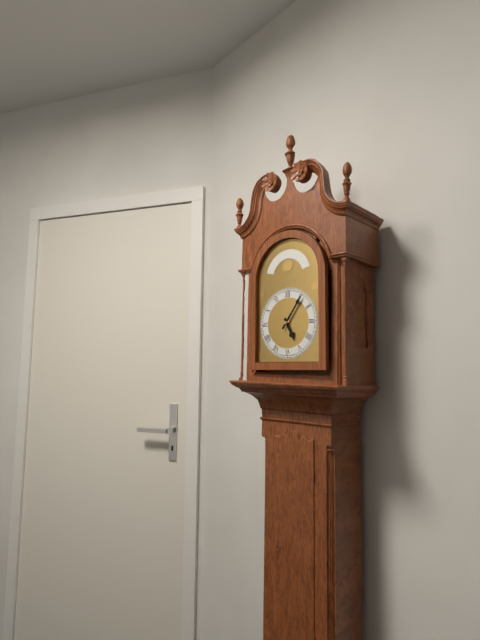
**5:06**
